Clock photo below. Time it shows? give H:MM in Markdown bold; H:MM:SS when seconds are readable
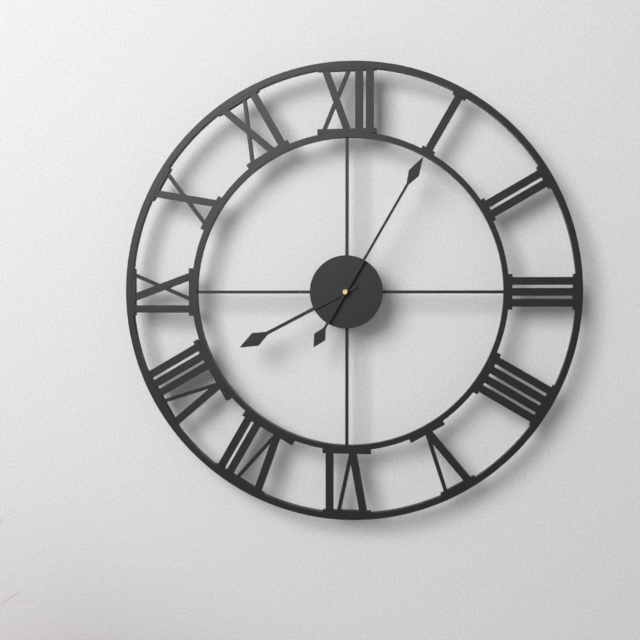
**8:05**
